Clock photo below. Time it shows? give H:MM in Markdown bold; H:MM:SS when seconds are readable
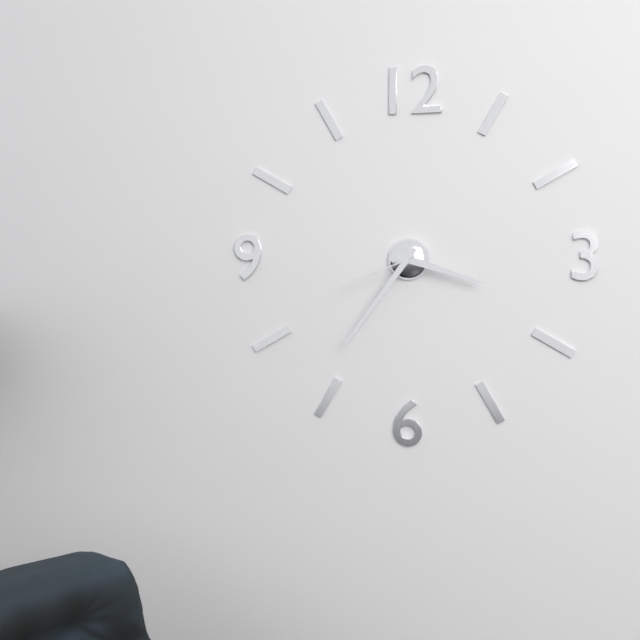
**3:36:41**
